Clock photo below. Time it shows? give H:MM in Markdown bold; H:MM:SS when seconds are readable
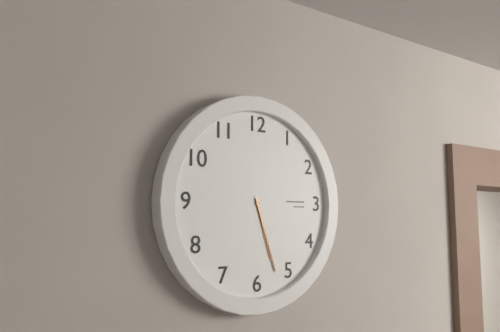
**5:27**
